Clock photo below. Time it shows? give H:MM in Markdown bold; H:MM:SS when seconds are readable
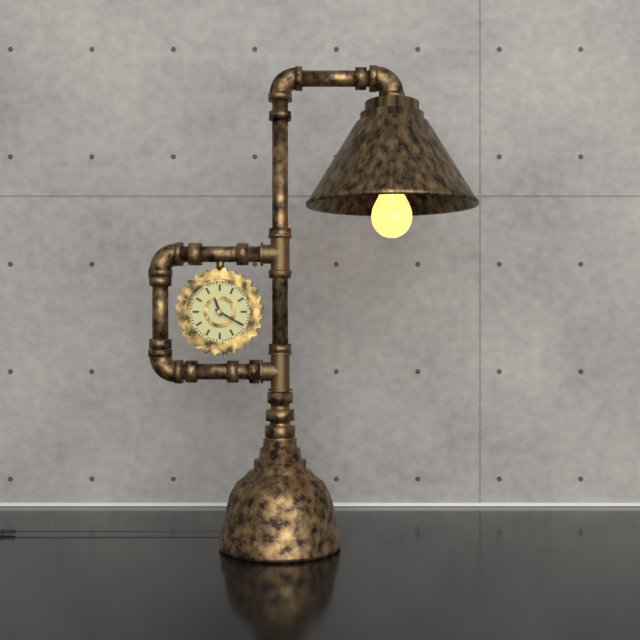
**11:20**
